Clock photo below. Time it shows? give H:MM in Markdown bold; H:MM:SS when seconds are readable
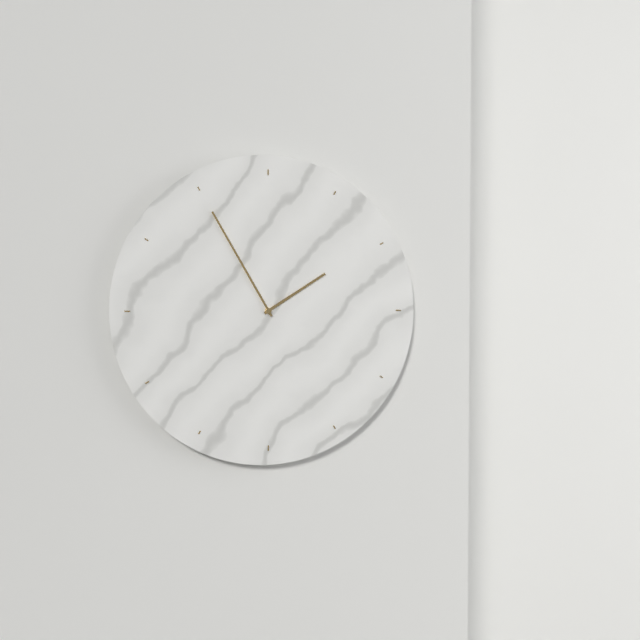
**1:55**
